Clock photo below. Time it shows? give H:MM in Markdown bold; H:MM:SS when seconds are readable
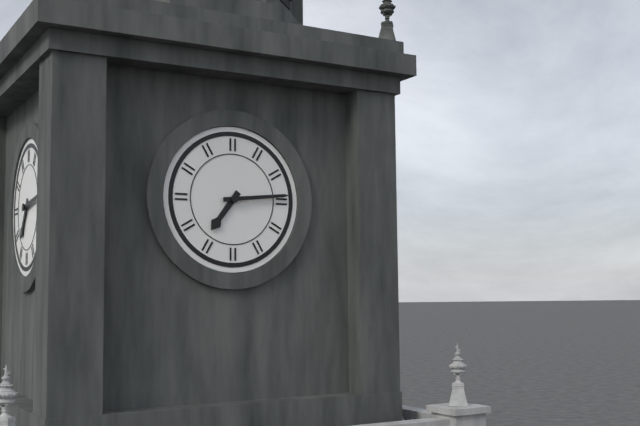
**7:14**
